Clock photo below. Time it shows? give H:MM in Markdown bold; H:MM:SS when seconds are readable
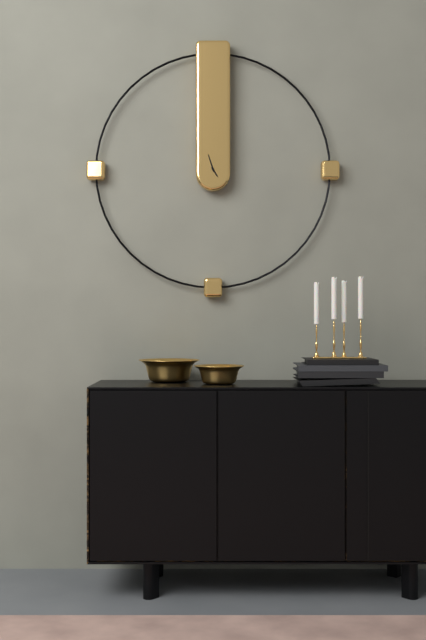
**4:57**
